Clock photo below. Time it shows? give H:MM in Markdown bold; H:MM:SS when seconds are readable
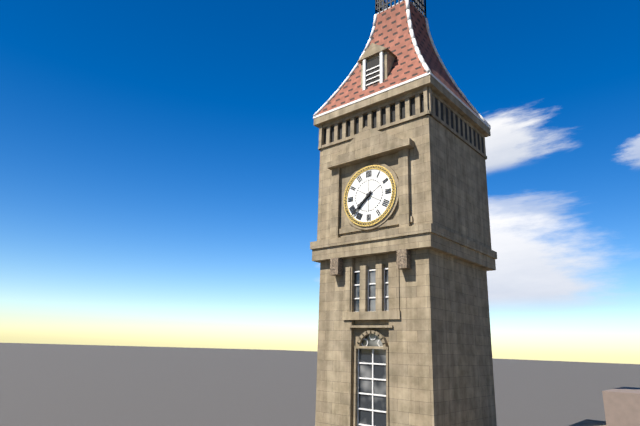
**7:38**
